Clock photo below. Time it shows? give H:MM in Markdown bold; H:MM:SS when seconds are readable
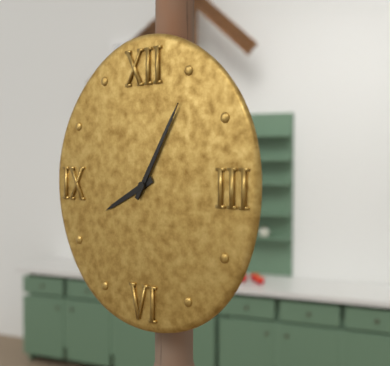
**8:05**
